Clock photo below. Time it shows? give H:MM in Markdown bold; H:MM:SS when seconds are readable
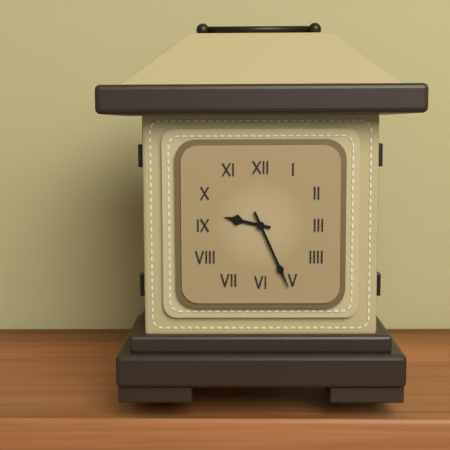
**9:26**
